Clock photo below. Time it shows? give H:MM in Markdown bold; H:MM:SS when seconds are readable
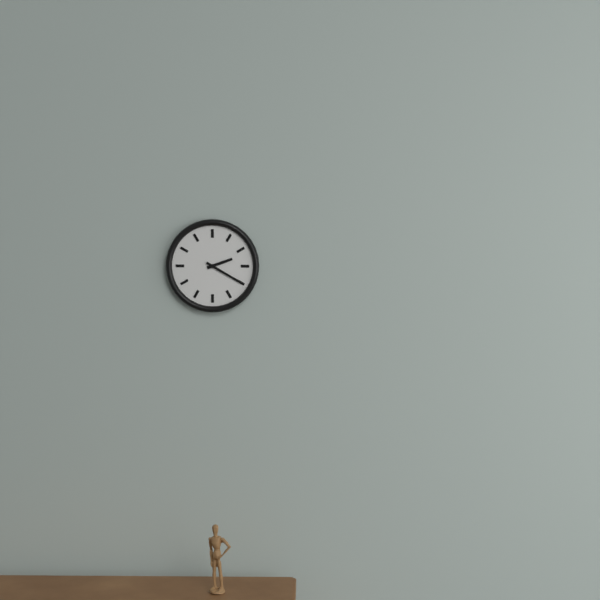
**2:20**
